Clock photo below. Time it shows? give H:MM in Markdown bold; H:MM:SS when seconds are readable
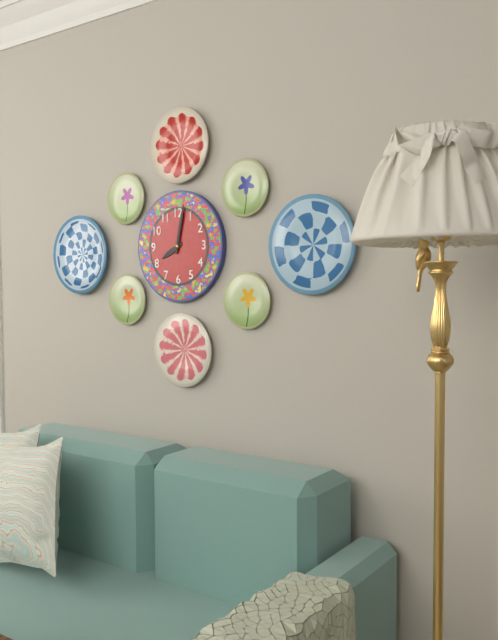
**8:02**
